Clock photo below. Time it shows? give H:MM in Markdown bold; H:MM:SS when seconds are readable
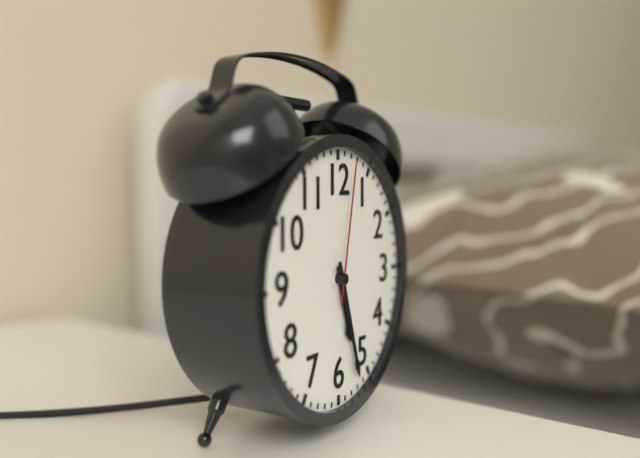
**5:27:02**
